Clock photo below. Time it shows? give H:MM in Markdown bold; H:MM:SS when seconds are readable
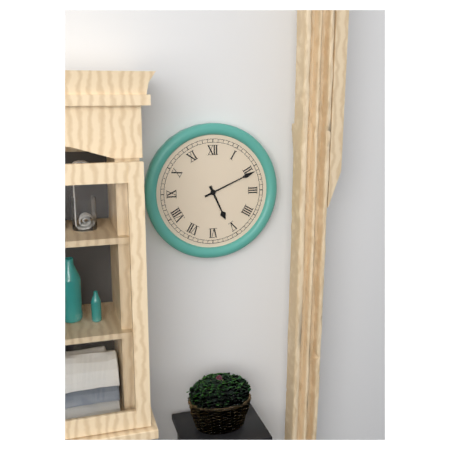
**5:11**
